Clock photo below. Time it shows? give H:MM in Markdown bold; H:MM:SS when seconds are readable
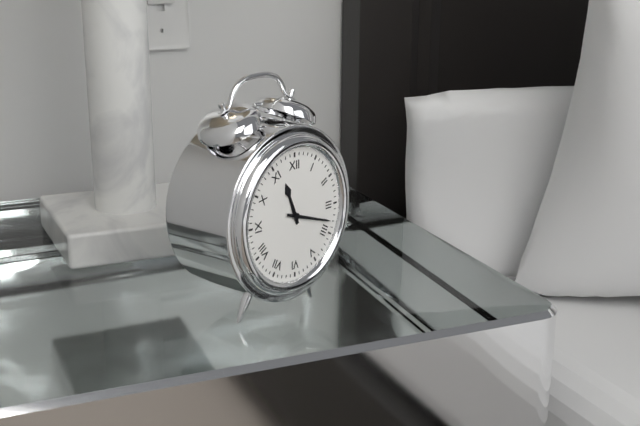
**11:18**
